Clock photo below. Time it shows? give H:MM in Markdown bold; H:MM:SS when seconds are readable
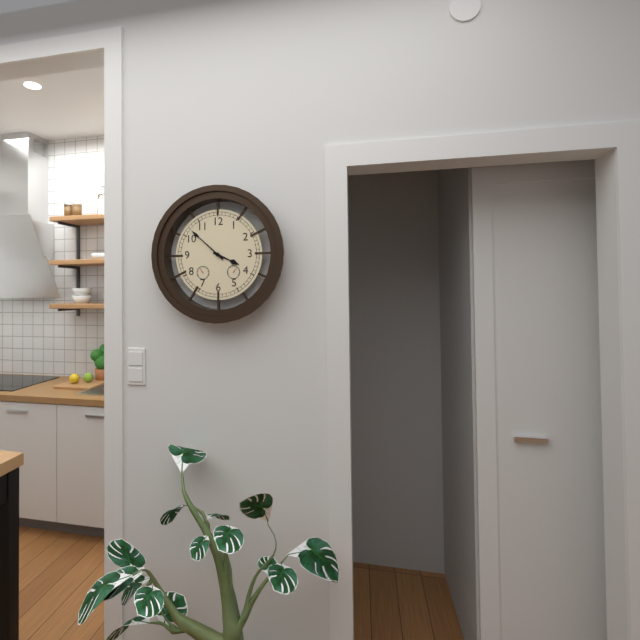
**3:52**
